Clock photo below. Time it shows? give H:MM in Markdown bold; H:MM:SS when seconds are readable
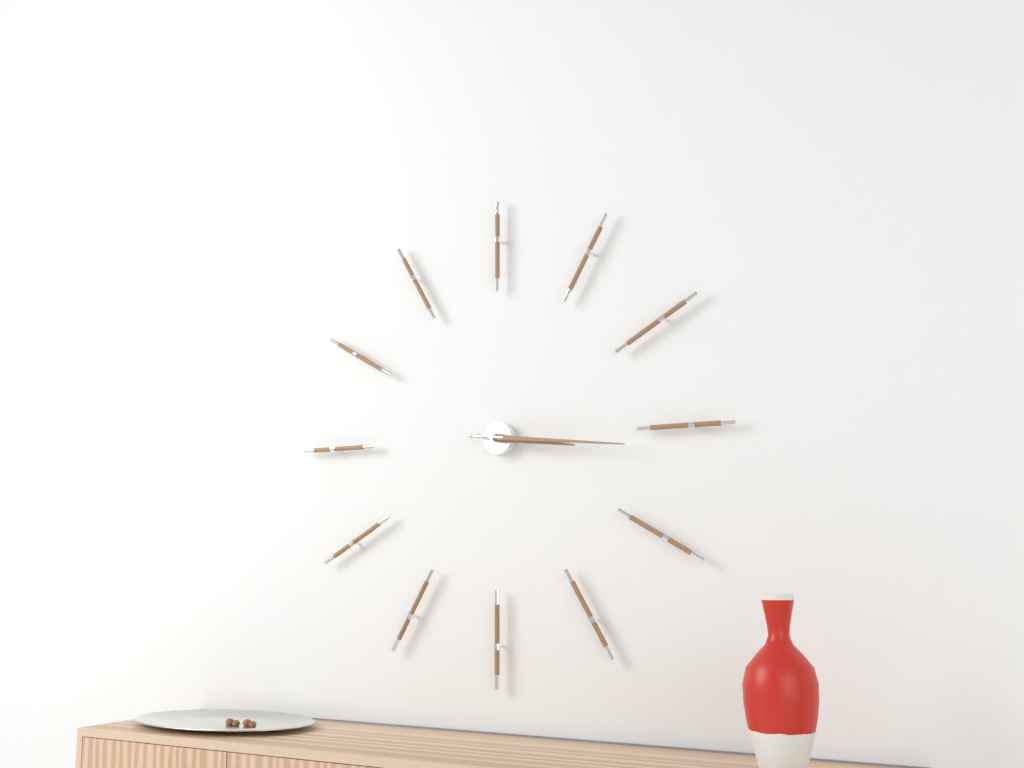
**3:16**
